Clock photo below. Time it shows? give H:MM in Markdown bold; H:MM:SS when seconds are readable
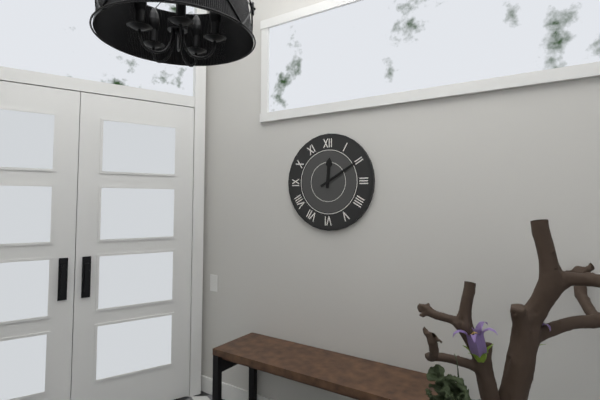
**12:10**
